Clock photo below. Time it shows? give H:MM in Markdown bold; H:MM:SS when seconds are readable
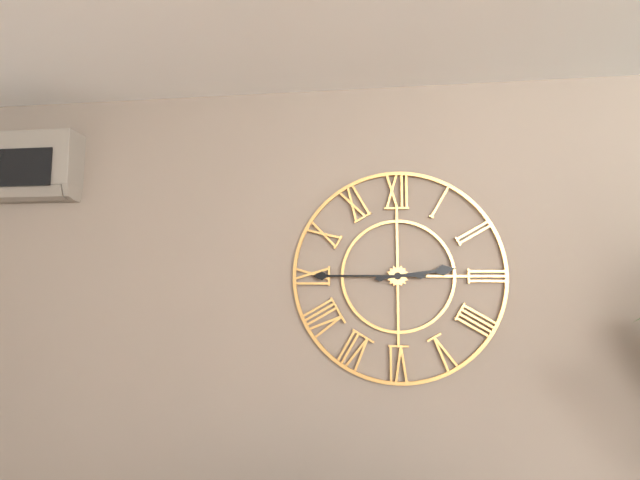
**2:45**
